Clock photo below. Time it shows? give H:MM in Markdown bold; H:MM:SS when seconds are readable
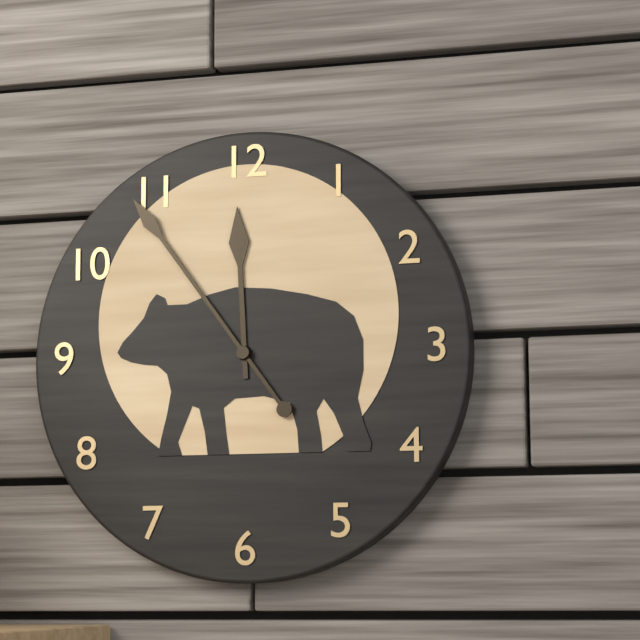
**11:54**
